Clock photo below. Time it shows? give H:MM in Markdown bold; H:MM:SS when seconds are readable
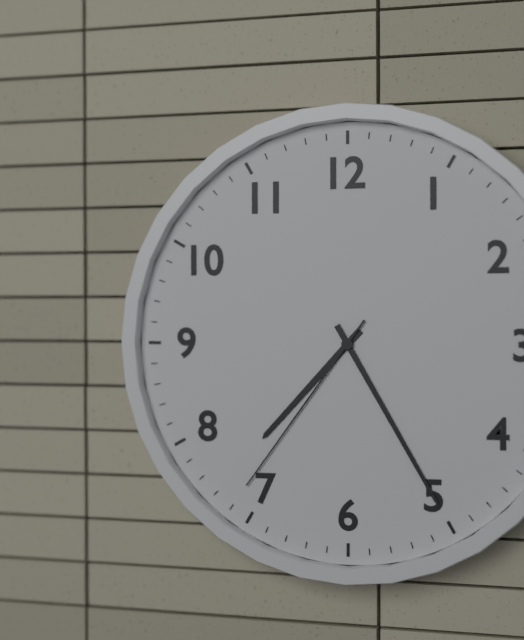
**7:25:36**
